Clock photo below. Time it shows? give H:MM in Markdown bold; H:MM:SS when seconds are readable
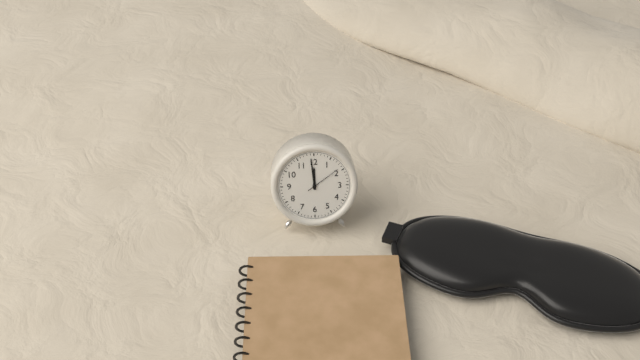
**11:59**
